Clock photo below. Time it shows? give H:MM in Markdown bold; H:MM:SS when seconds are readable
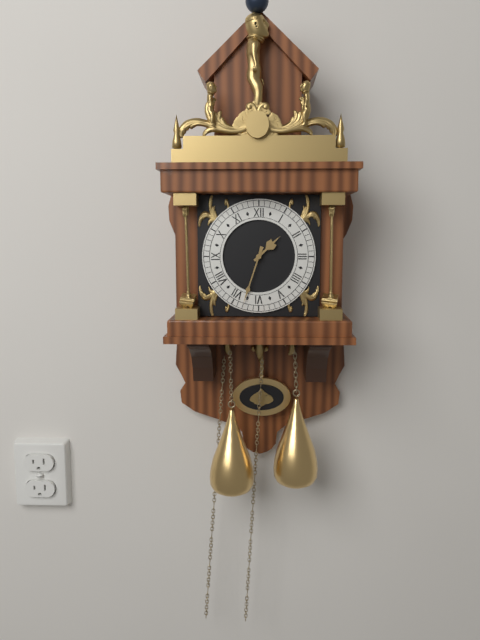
**1:33**
